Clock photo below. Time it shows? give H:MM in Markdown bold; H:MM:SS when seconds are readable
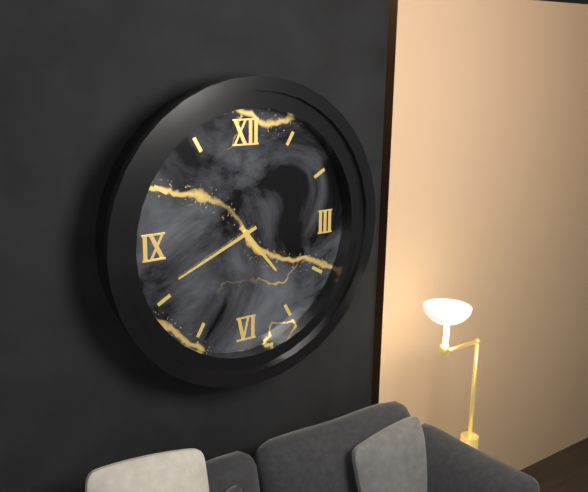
**4:41**
